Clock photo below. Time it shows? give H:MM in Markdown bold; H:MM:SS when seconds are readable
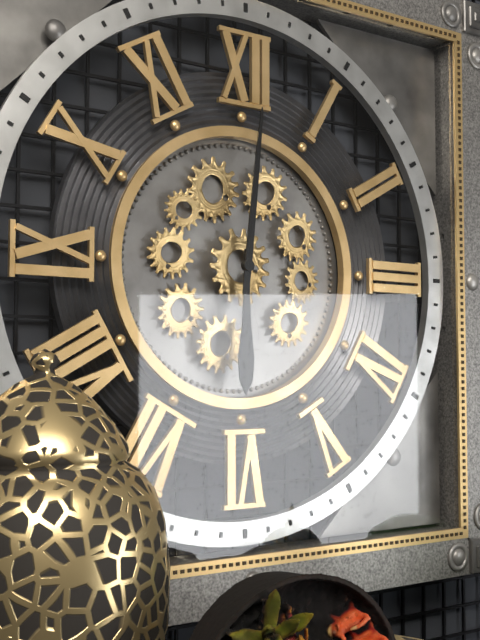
**6:01**
